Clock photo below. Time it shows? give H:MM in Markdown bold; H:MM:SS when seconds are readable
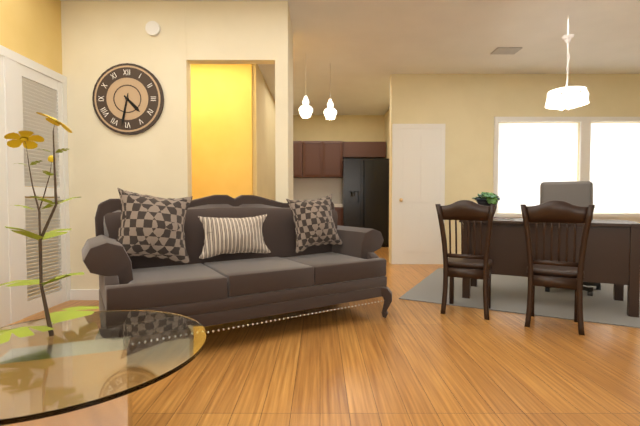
**4:32**
